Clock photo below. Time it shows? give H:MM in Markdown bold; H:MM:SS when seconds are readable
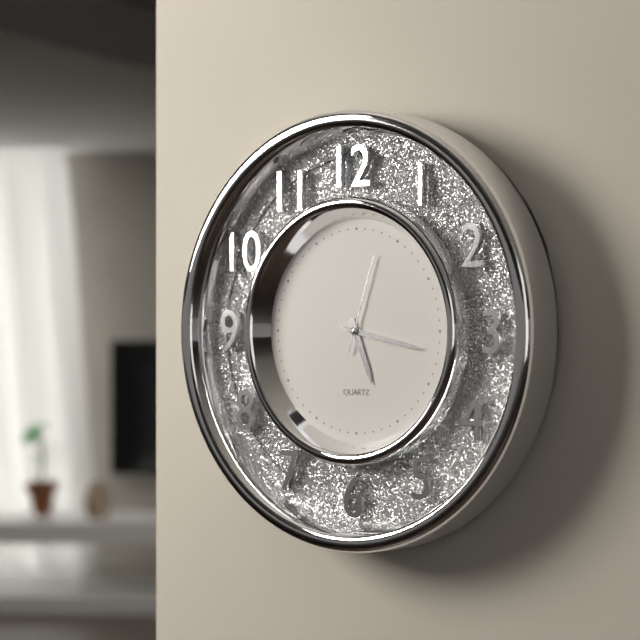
**5:17:03**
